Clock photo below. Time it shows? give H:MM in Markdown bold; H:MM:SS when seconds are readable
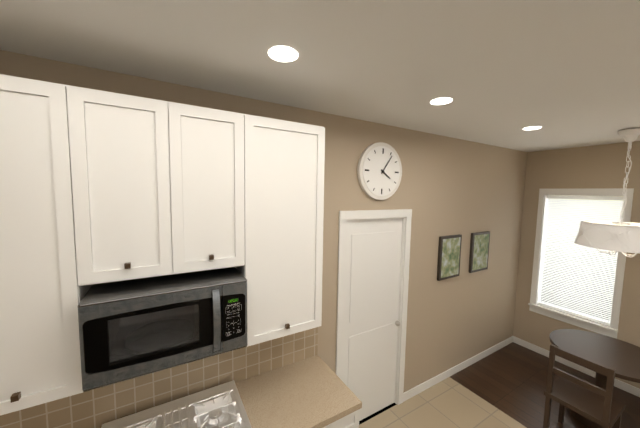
**4:06**
